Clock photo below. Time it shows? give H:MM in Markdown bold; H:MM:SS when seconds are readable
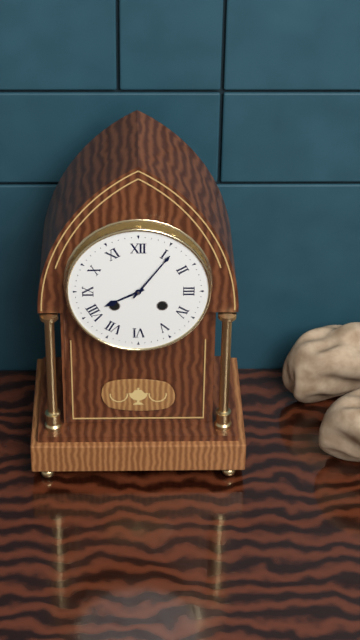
**8:06**
